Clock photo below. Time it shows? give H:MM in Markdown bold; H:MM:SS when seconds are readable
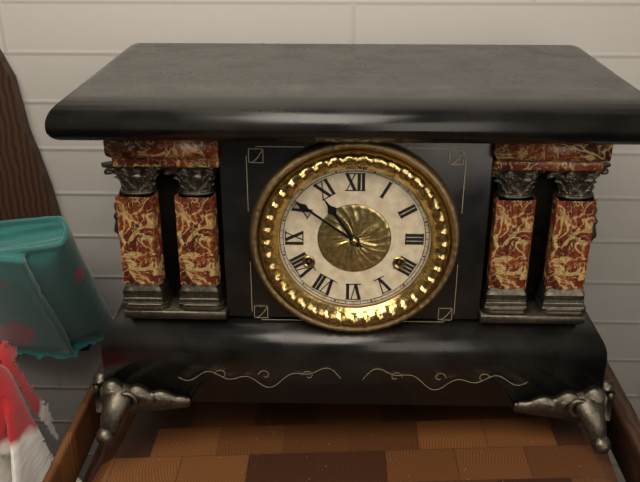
**10:51**
